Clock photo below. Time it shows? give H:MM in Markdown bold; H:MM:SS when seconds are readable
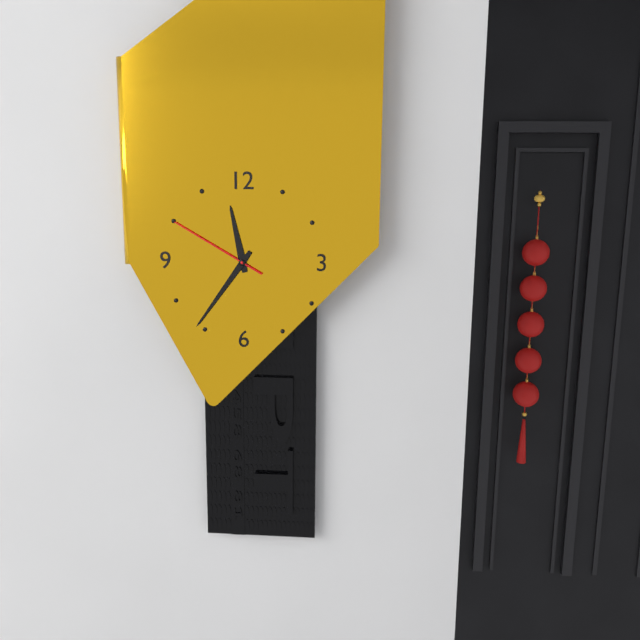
**11:36:50**
